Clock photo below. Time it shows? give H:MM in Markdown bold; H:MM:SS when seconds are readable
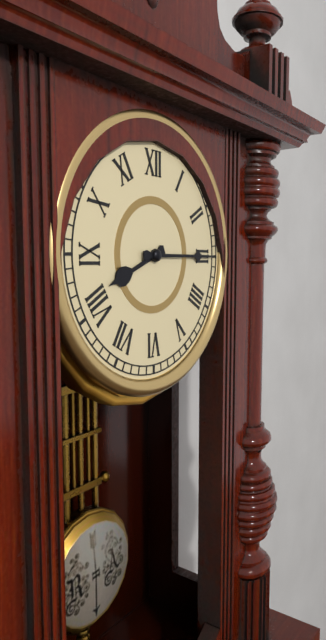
**8:15**
